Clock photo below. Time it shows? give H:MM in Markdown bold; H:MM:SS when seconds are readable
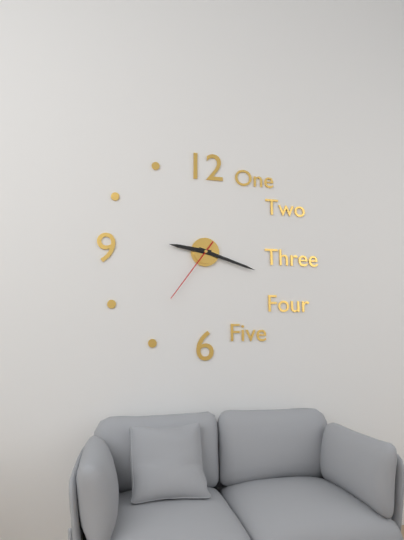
**9:18:36**
